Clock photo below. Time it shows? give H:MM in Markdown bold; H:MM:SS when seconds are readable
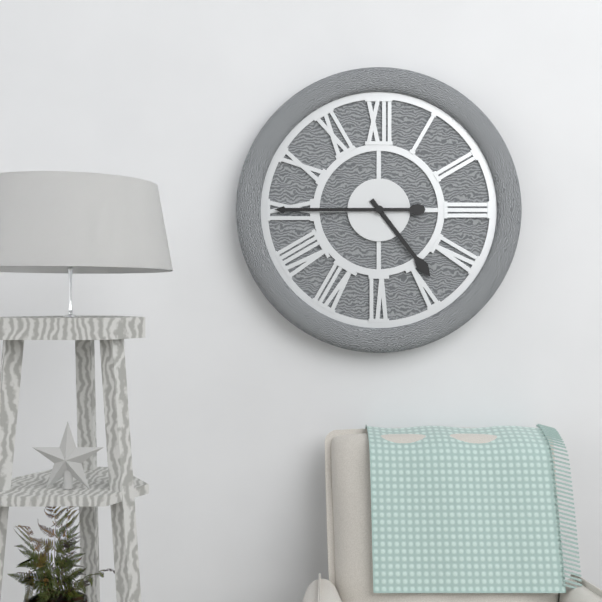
**4:45**
